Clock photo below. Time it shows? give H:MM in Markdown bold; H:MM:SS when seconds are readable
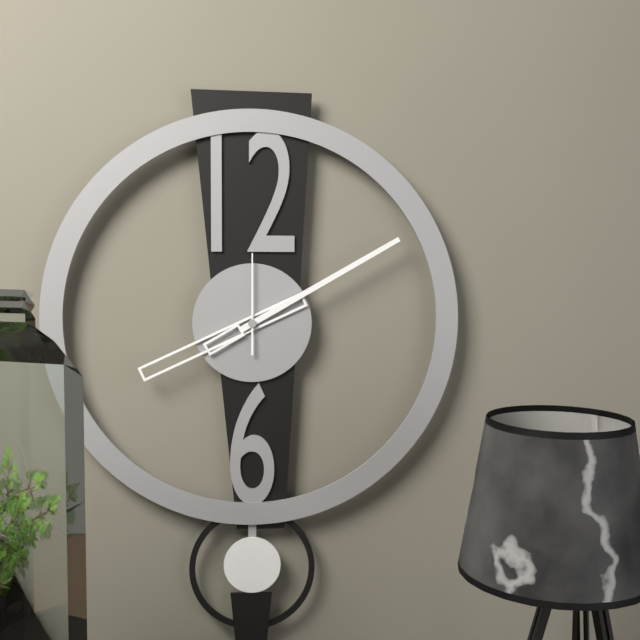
**8:10:00**
